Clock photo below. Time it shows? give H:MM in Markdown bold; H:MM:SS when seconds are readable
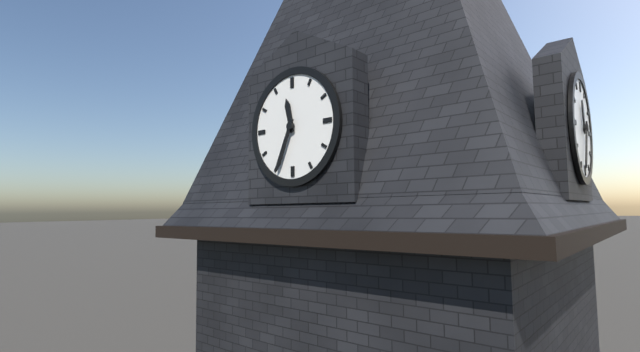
**11:34**
